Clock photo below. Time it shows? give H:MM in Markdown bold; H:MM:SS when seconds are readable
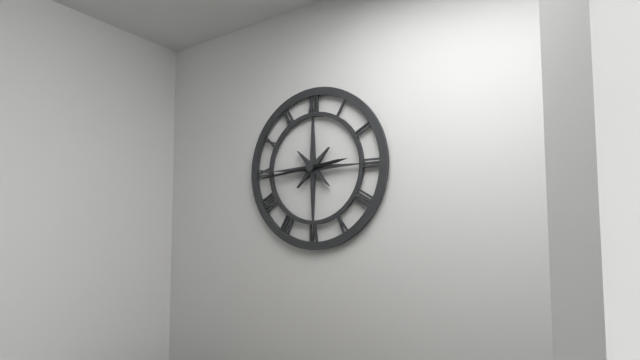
**2:44**
